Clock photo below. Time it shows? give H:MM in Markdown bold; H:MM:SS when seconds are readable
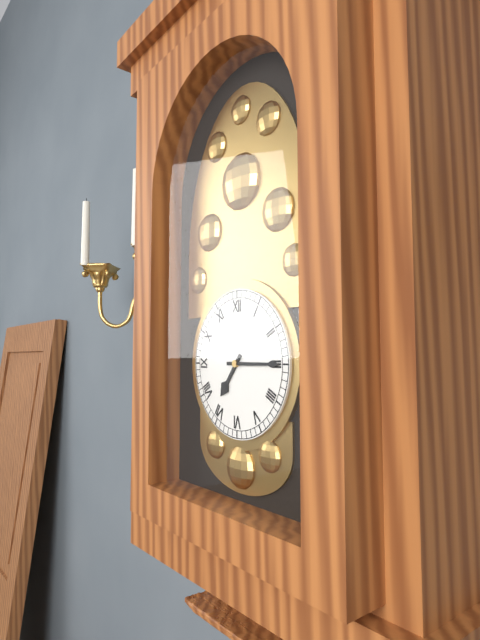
**7:15**
